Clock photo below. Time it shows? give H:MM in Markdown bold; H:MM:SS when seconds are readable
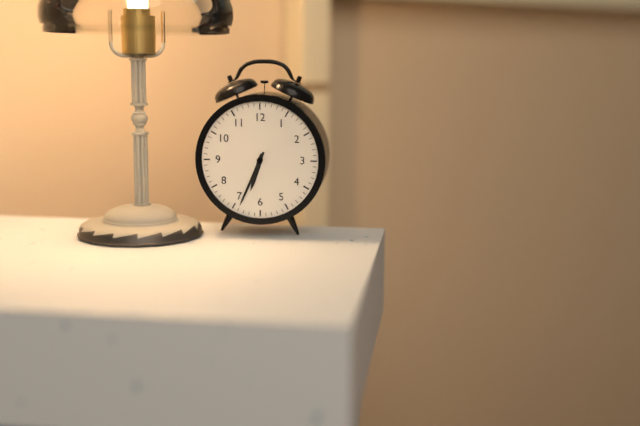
**6:34**
